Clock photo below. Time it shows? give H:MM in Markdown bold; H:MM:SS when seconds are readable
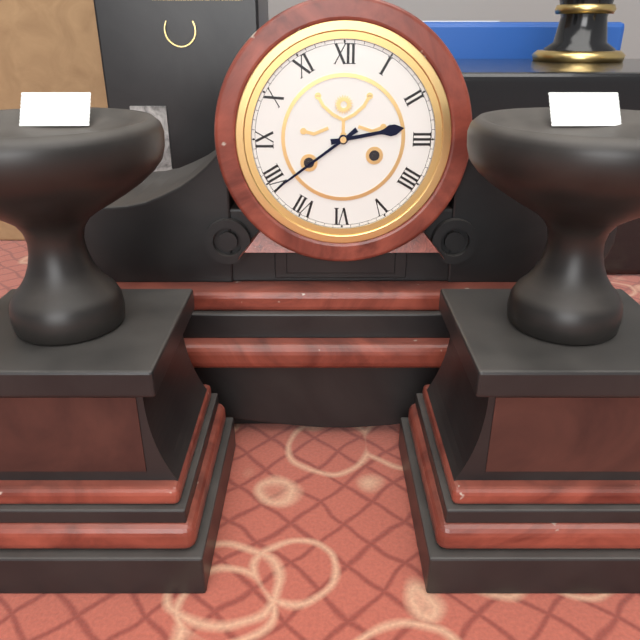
**2:39**
